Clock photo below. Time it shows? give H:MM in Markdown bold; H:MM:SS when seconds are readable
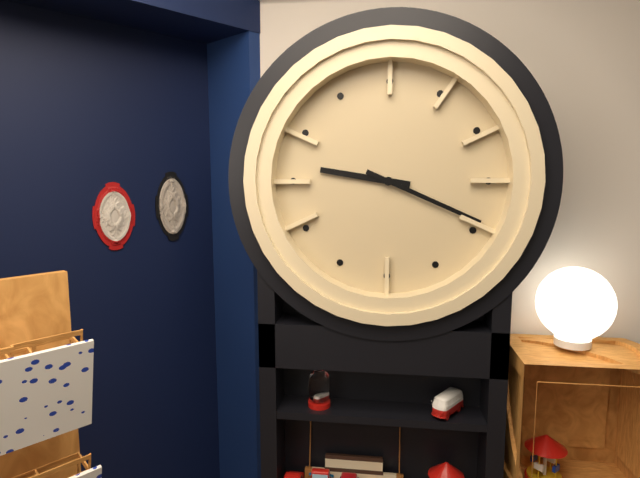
**9:19**
